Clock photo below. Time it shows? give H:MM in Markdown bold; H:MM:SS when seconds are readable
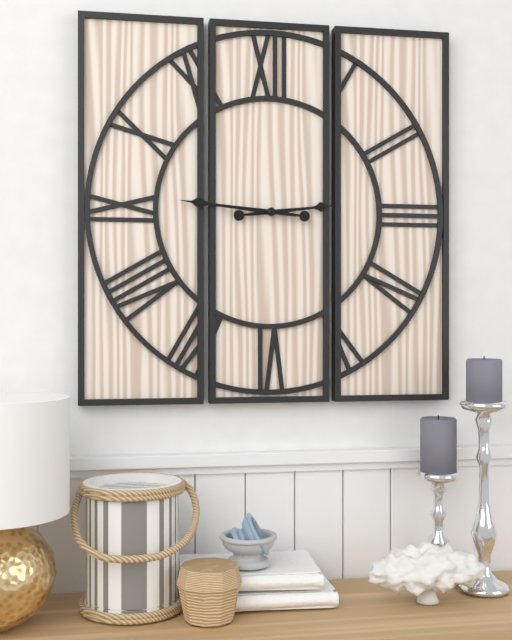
**2:46**
